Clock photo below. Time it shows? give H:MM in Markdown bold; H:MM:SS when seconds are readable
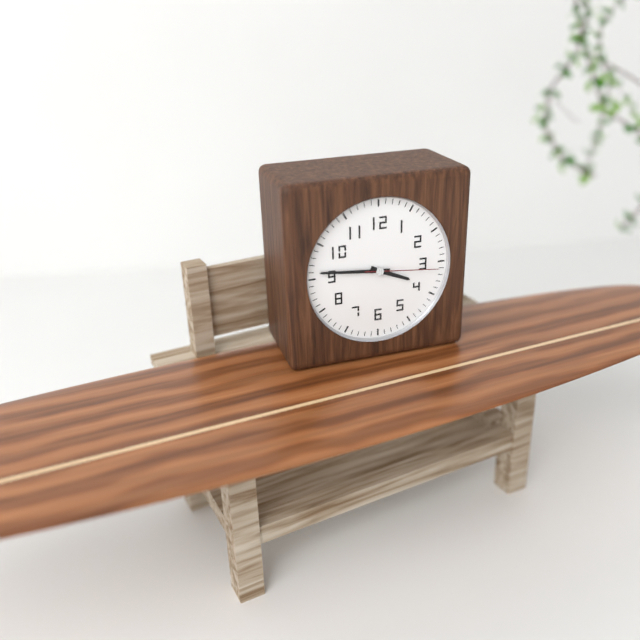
**3:46:16**
